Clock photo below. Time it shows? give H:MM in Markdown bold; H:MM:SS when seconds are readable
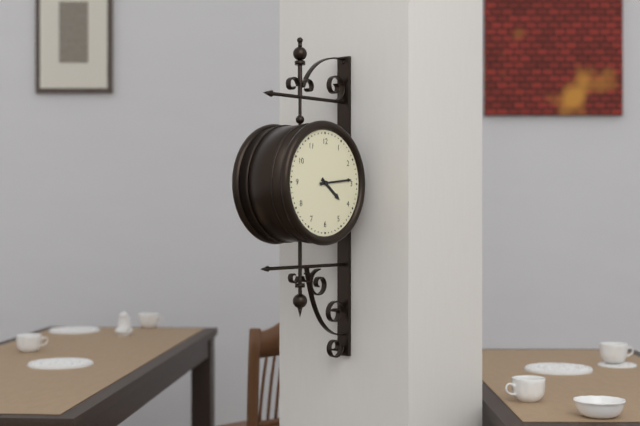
**4:14**
